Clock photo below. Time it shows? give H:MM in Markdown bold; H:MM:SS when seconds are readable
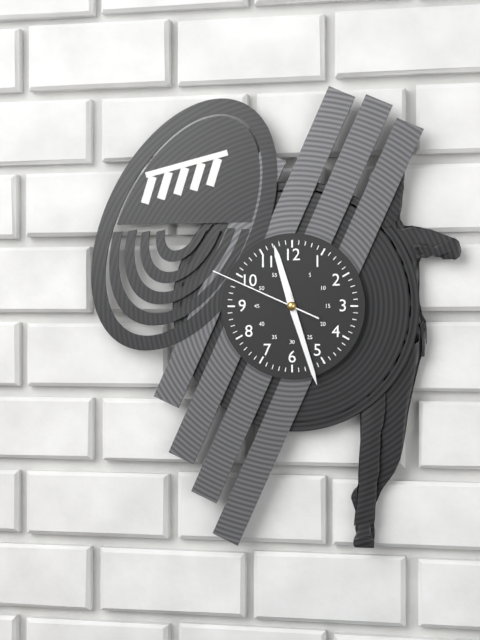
**11:27:49**
